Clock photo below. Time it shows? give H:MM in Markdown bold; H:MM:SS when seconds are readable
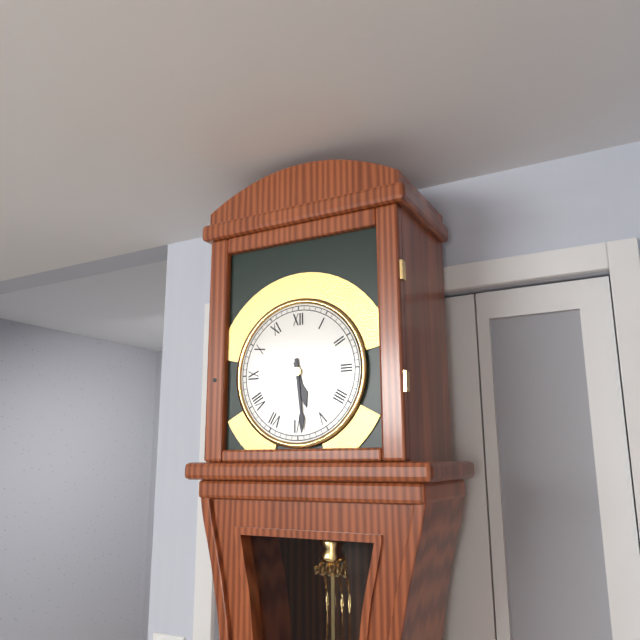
**5:29**
